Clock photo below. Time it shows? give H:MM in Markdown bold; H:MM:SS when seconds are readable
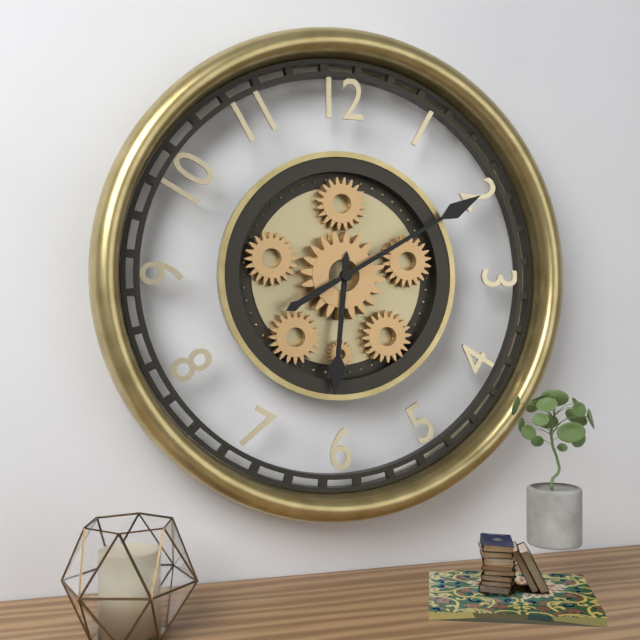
**6:10**
